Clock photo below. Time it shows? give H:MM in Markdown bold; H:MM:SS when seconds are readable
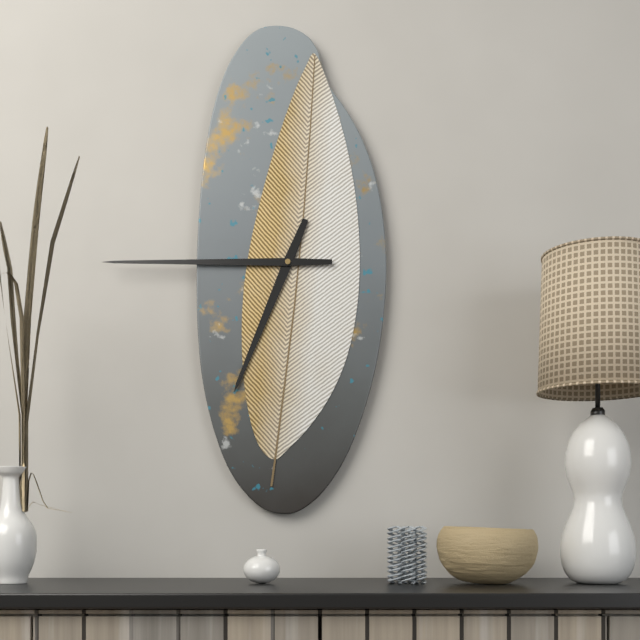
**6:45**
